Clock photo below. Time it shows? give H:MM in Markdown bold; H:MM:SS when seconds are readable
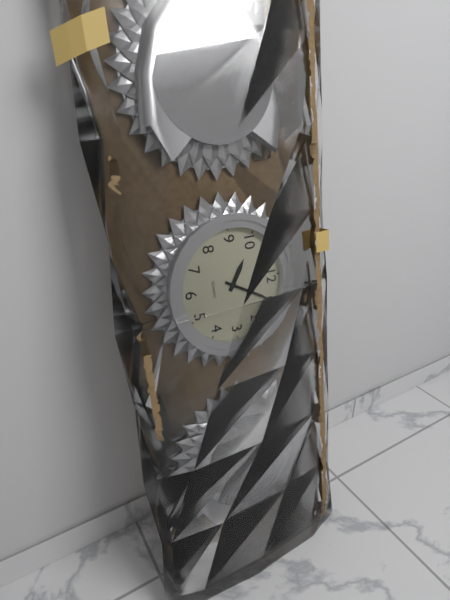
**10:05**
